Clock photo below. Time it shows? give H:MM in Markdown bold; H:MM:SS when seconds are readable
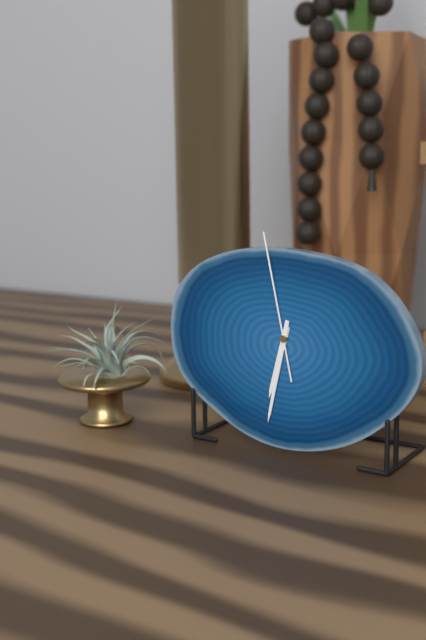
**6:32:58**
